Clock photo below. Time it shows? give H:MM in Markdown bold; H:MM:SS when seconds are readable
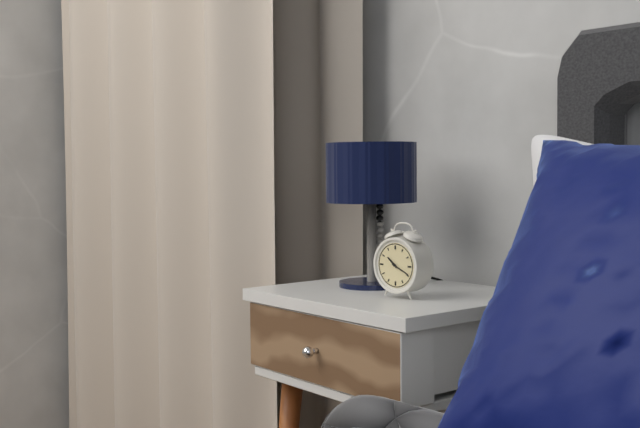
**10:19**
